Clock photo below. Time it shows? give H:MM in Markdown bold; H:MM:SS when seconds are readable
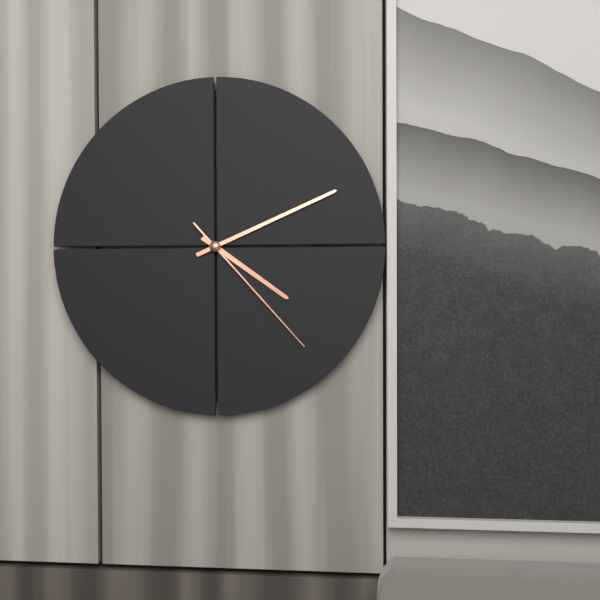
**4:11:23**
